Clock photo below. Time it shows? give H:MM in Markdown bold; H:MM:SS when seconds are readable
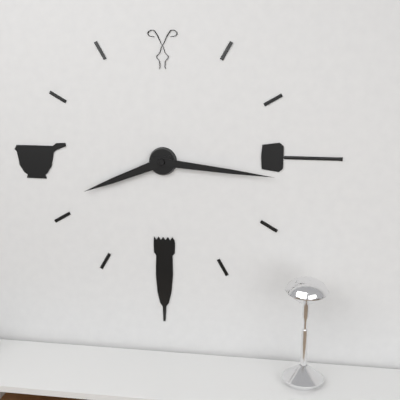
**8:16**
